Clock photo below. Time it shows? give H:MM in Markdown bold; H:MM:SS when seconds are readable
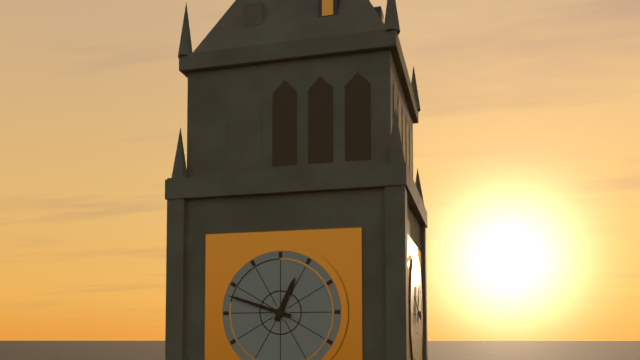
**12:48**
